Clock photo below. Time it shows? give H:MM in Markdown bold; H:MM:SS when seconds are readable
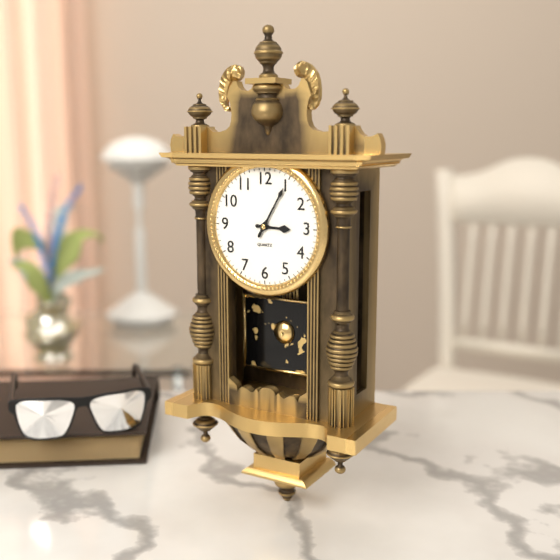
**3:05**
